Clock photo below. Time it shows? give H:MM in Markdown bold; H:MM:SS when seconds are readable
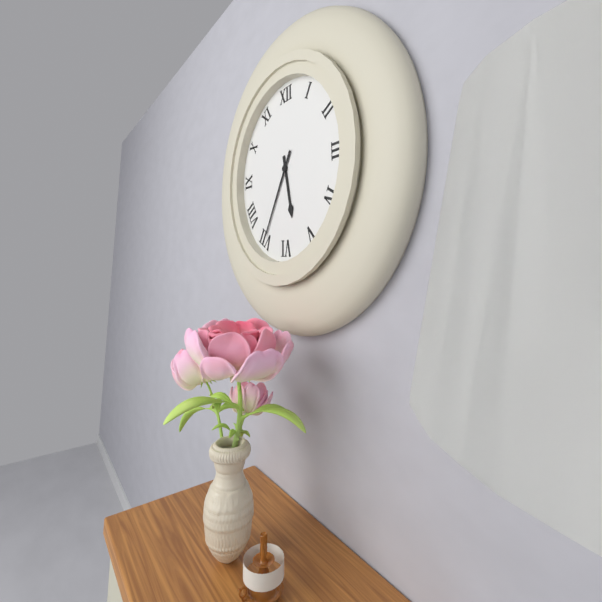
**5:35**
